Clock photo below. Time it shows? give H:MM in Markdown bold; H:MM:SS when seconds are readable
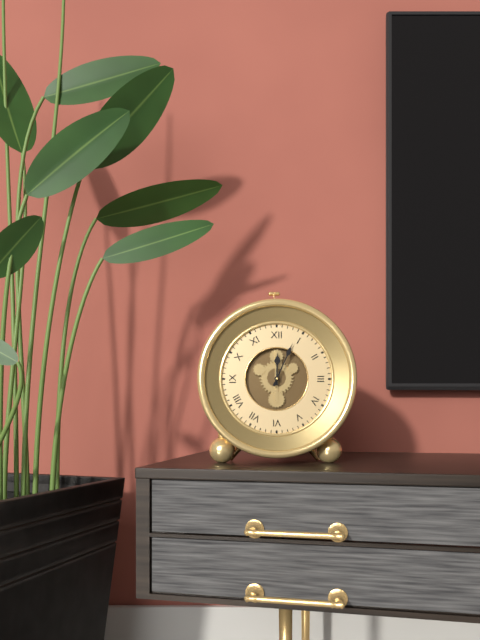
**12:04**
